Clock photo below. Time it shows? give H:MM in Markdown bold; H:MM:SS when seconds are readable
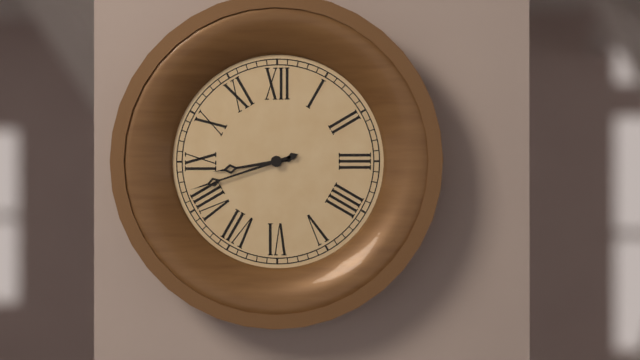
**8:42**
